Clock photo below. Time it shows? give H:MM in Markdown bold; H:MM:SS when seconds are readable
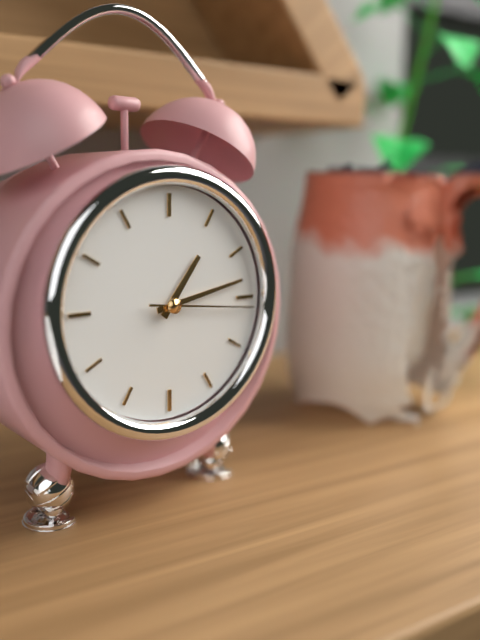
**1:13:16**
